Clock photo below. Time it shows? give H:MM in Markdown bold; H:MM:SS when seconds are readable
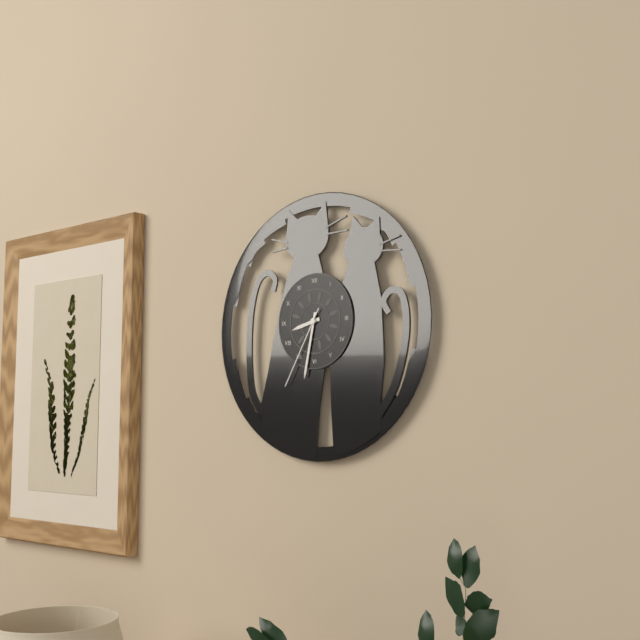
**8:32:35**
